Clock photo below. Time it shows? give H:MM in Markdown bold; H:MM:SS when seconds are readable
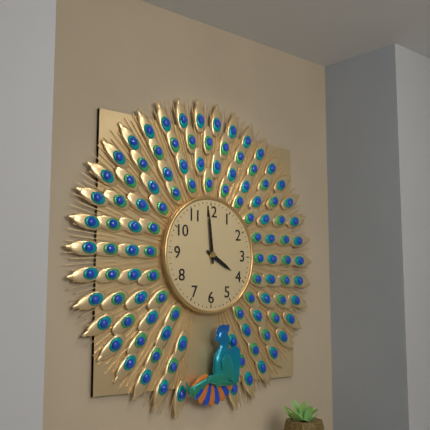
**3:59**
